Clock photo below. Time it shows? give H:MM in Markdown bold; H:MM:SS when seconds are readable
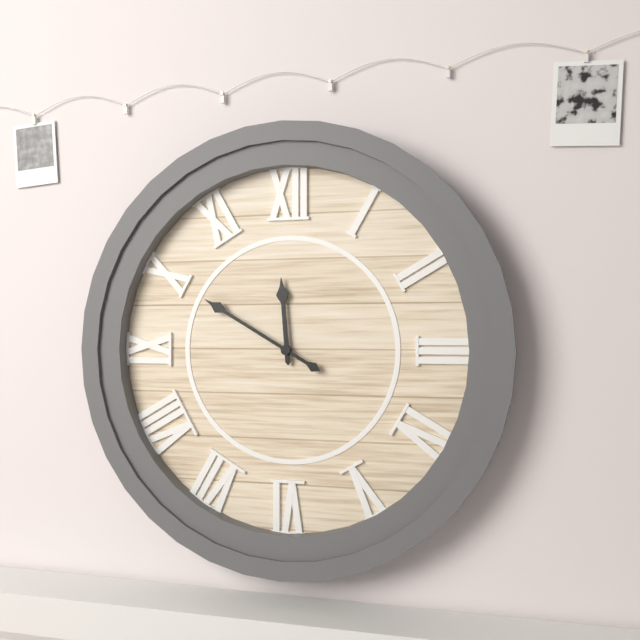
**11:50**
